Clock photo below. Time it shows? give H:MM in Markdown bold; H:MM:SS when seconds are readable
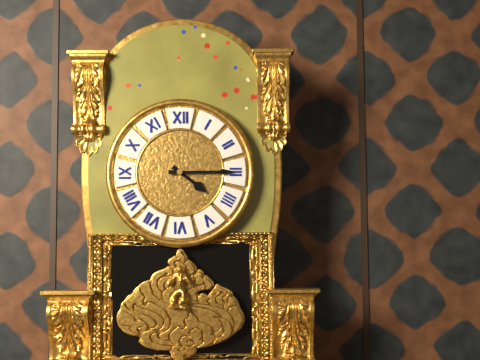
**4:15**
